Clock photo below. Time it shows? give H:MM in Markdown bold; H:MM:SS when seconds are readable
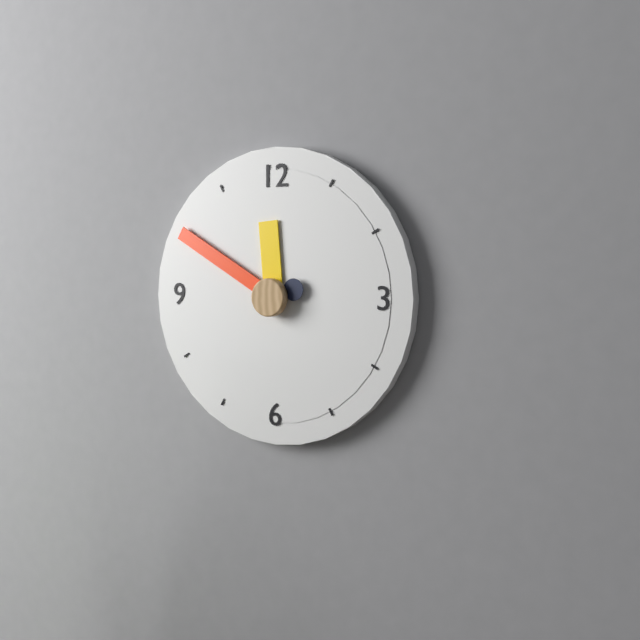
**11:50**
